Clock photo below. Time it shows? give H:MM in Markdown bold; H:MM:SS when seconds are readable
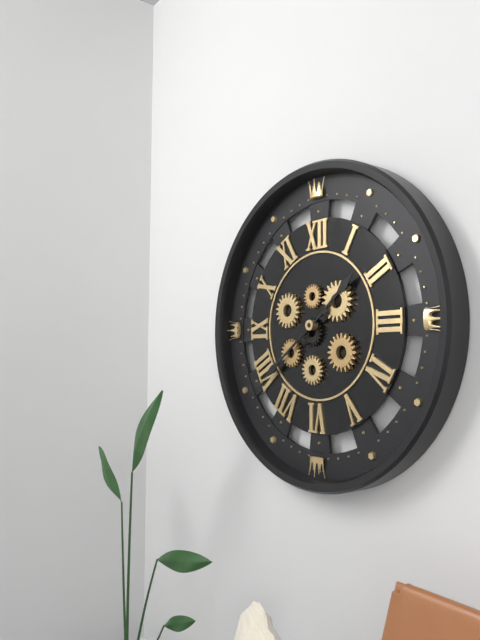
**1:39**
